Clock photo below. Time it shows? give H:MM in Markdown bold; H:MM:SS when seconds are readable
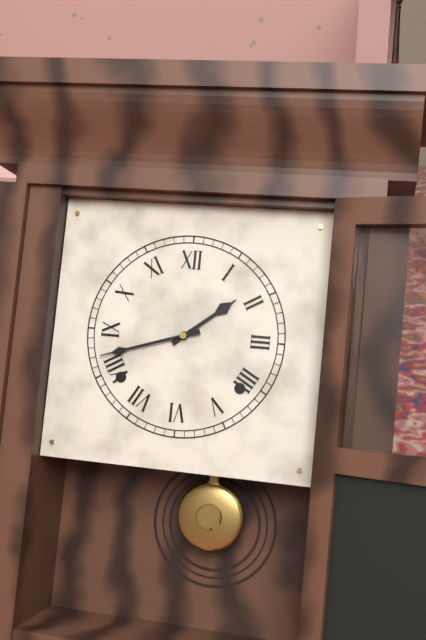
**1:42**
